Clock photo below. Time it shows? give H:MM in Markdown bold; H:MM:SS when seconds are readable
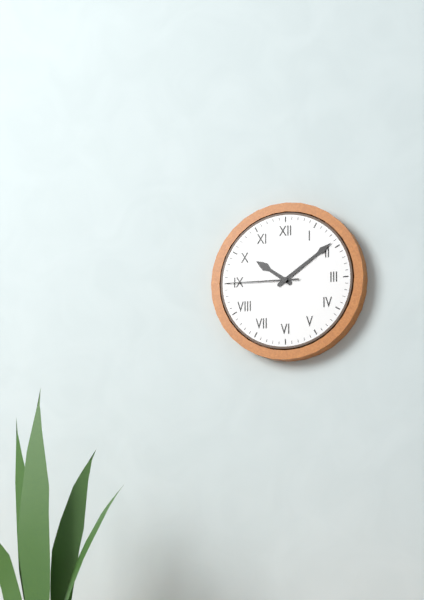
**10:09:45**
